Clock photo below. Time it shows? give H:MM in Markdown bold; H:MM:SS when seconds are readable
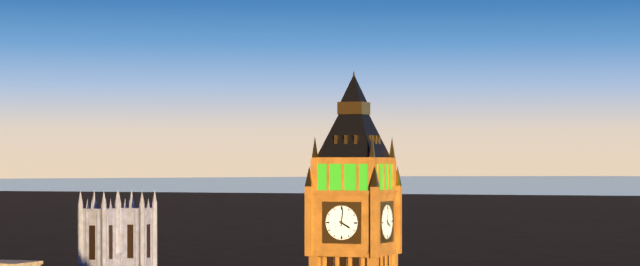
**4:01**
